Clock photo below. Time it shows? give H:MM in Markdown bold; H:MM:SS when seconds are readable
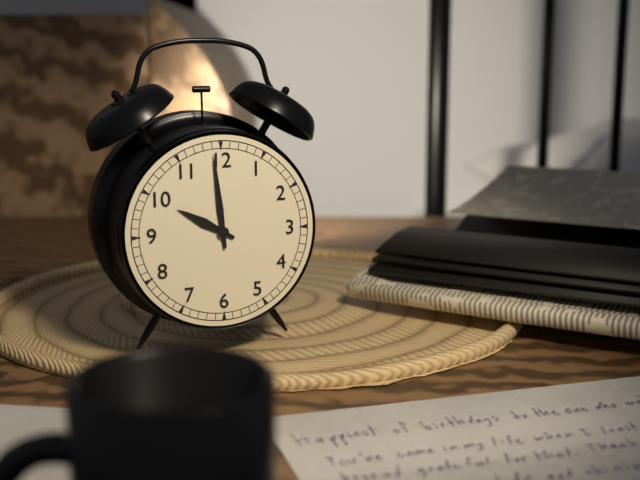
**9:59**
